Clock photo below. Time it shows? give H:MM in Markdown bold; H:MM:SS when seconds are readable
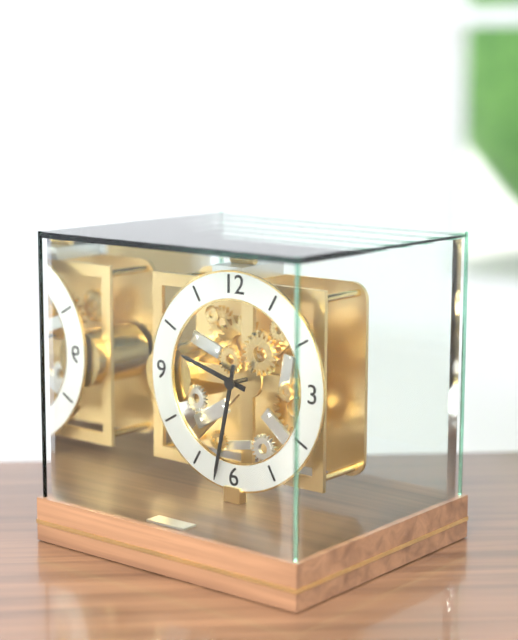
**9:32**
